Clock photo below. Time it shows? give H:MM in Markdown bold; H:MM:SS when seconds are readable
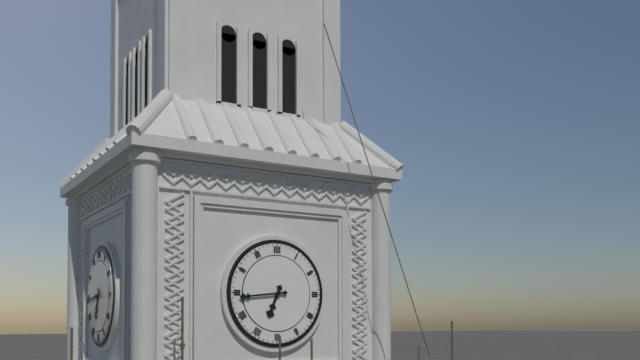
**6:44**
